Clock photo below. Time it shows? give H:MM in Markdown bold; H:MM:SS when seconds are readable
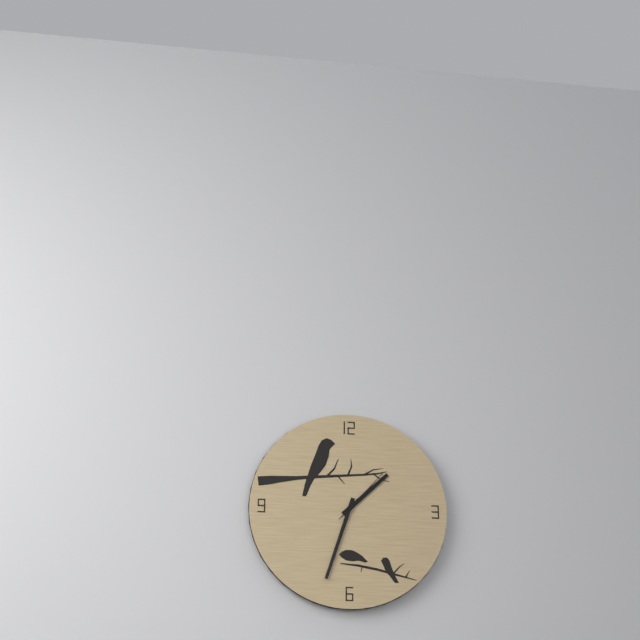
**1:33:07**
